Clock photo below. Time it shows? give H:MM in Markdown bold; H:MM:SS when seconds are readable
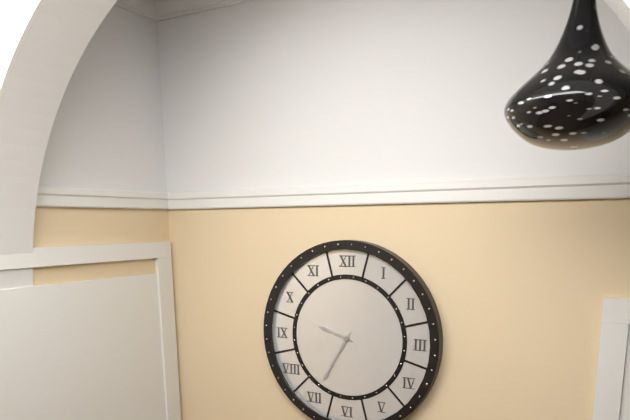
**9:35**
